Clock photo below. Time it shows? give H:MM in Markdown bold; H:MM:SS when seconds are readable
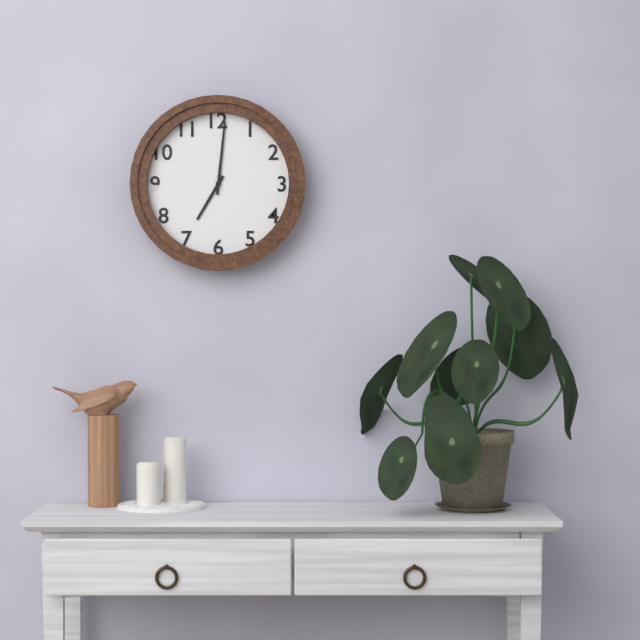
**7:01**
